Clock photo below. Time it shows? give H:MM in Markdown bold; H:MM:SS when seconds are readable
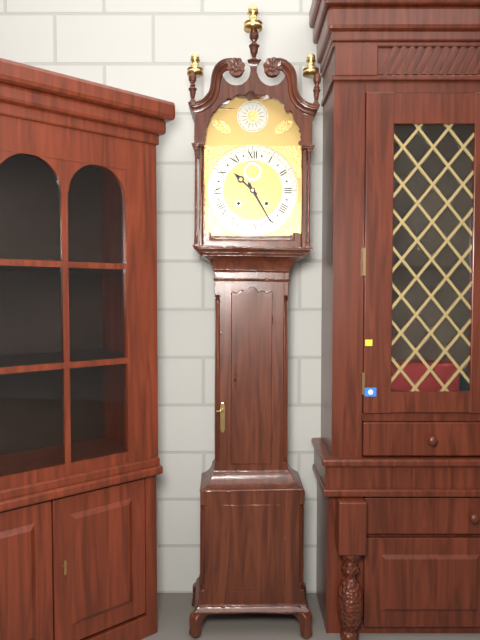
**10:25**
